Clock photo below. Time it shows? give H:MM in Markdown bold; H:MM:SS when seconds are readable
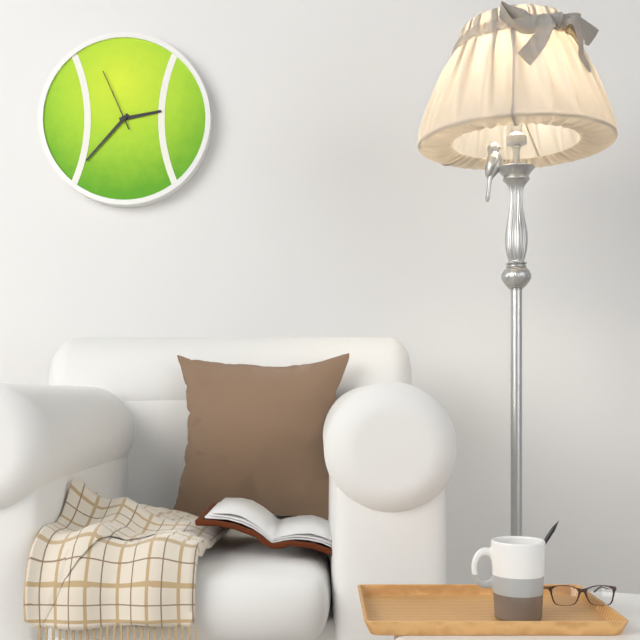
**2:37:56**
